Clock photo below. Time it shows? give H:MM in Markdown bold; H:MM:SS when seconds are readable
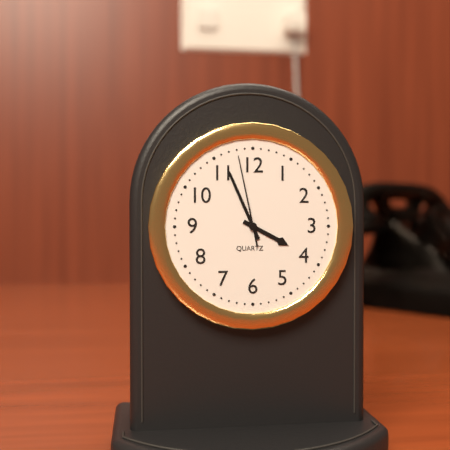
**3:56:58**
